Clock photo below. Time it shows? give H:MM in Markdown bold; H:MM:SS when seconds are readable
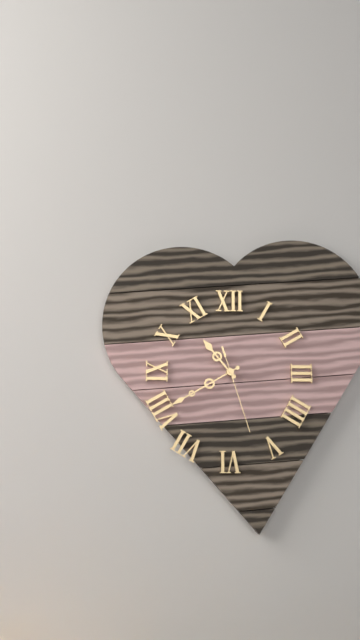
**10:40:27**
